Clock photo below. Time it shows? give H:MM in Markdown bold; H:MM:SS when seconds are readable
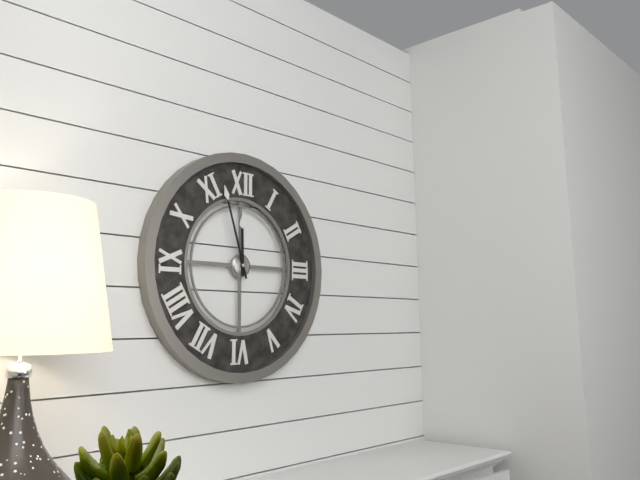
**11:57**
